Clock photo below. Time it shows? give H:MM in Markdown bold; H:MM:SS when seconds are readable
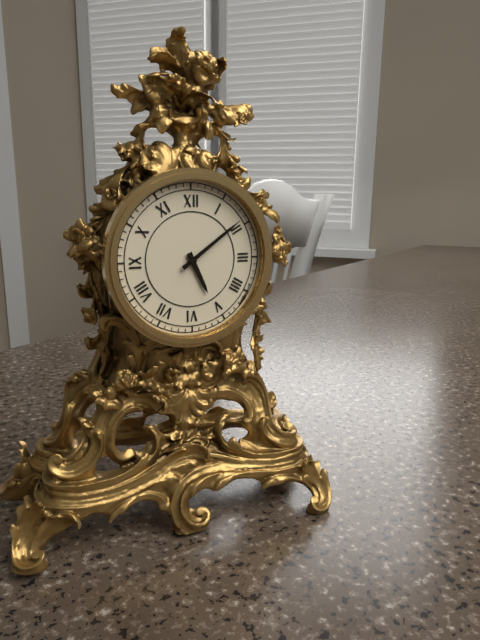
**5:09**
